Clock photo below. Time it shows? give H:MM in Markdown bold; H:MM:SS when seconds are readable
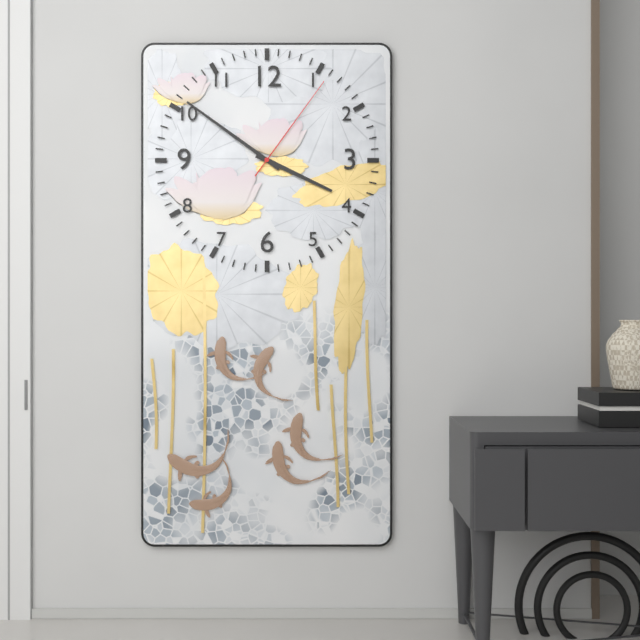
**3:51:06**
